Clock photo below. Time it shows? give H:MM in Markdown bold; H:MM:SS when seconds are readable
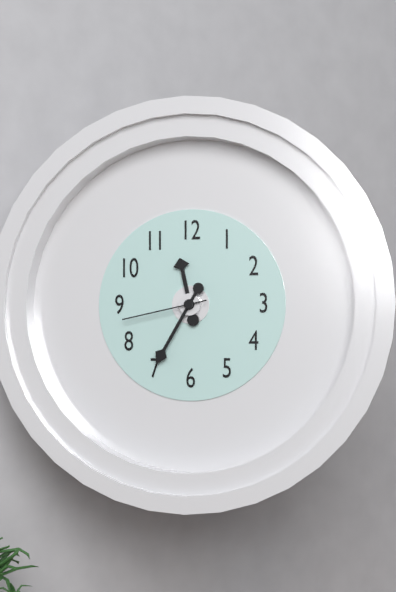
**11:35:43**
